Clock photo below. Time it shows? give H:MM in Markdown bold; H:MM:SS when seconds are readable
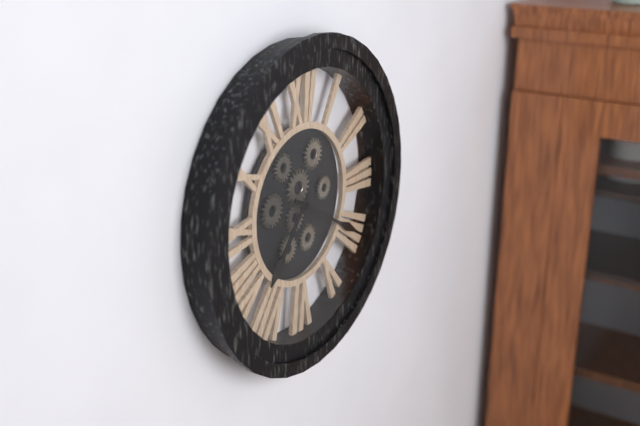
**7:20**
